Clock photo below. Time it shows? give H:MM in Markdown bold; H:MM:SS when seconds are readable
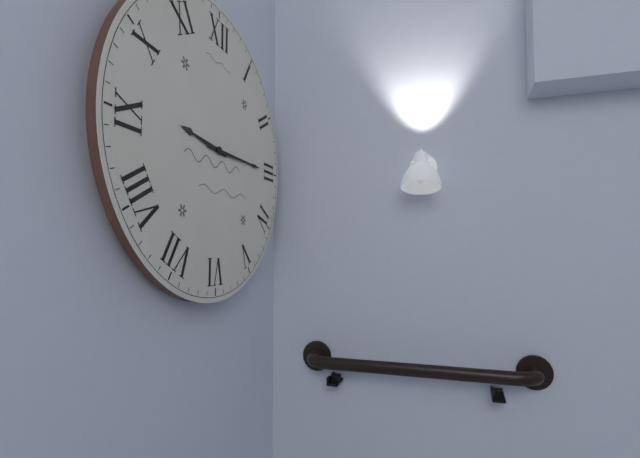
**9:15**
